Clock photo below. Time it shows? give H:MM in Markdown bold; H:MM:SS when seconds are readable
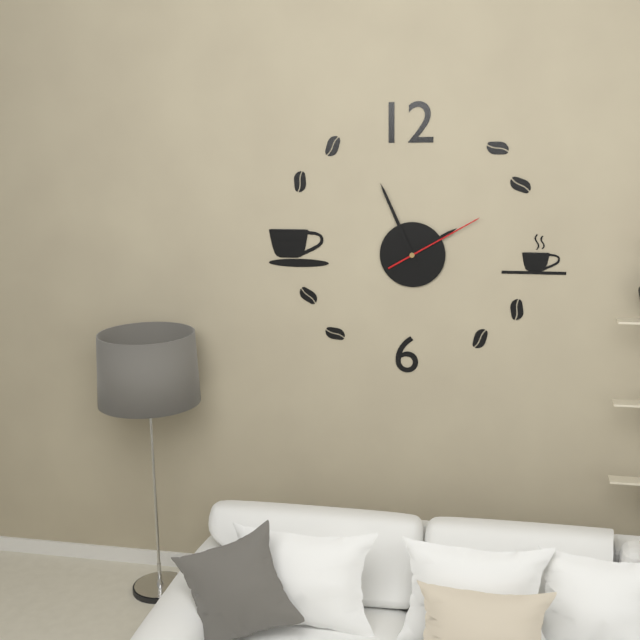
**1:56:10**
